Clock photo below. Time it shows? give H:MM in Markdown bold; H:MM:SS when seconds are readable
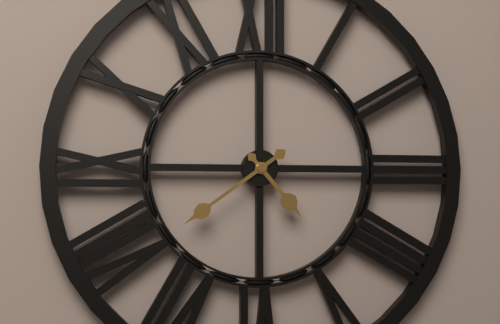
**4:39**
